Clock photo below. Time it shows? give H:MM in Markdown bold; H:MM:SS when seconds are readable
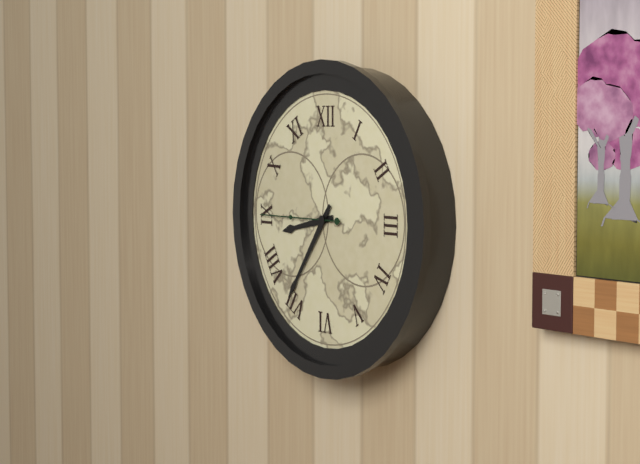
**8:36:45**
